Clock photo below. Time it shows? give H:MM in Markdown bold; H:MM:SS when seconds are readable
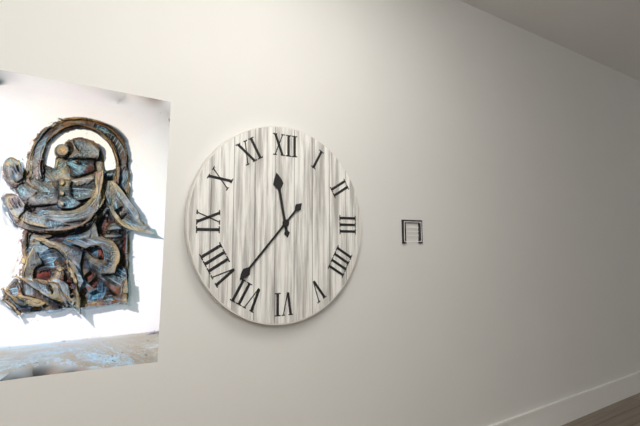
**11:37**
